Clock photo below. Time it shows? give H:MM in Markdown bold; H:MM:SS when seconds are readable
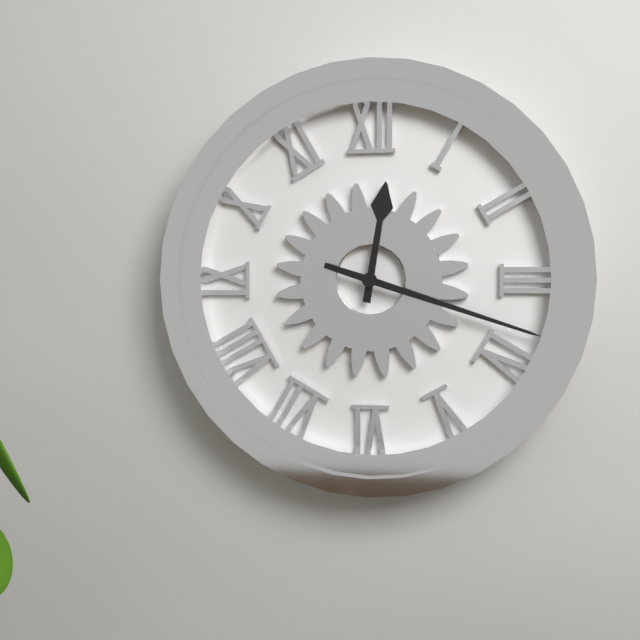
**12:18**
